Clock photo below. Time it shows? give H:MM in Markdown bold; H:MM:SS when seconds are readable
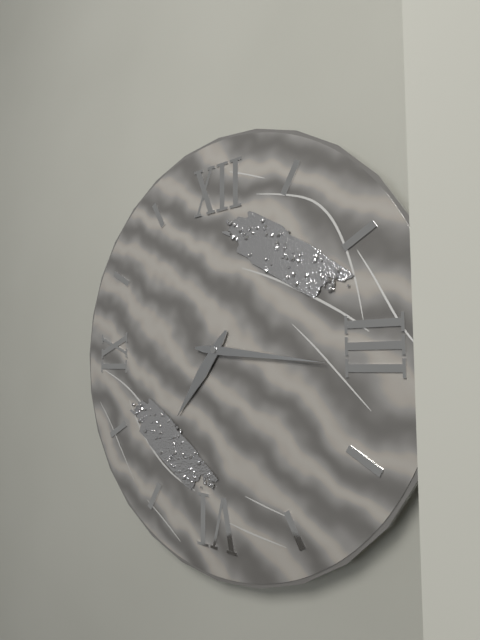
**7:16**
